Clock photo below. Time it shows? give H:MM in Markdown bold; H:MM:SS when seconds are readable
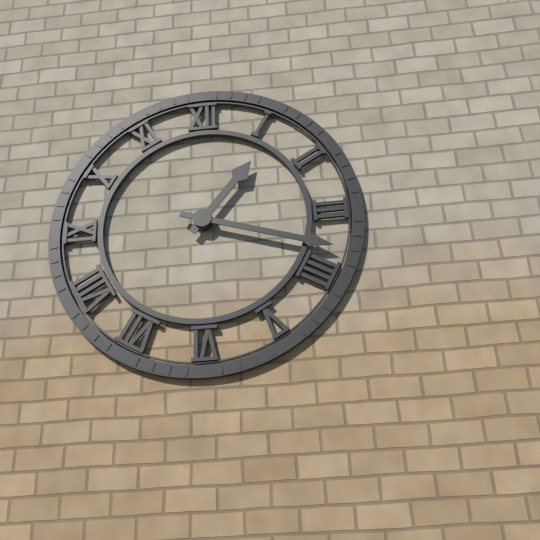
**1:18**
